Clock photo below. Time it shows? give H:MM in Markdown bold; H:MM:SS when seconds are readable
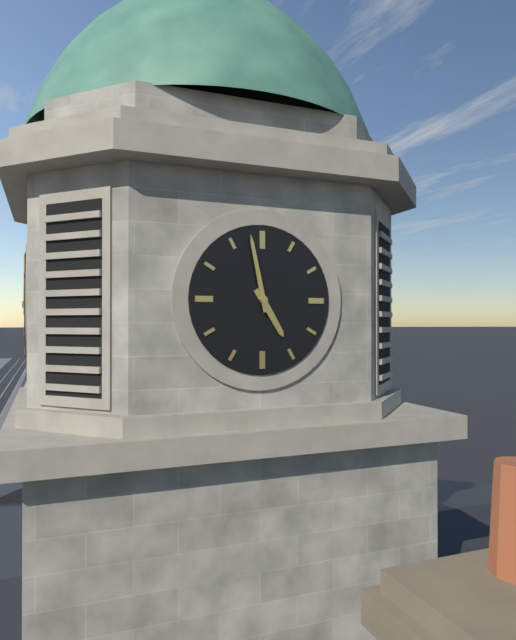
**4:58**
